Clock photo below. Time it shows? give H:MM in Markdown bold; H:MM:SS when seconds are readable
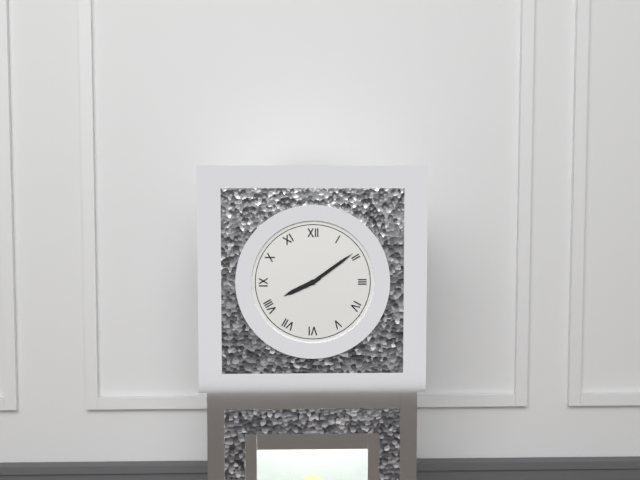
**8:09**
